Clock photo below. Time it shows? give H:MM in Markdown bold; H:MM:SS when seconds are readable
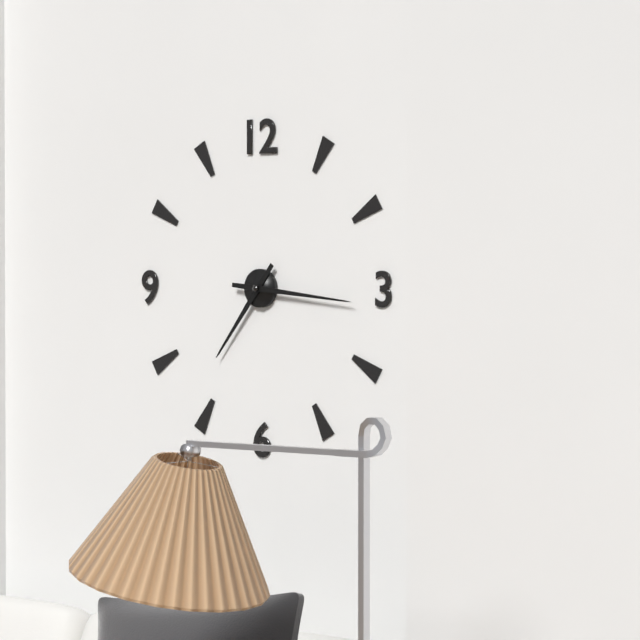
**7:16**
